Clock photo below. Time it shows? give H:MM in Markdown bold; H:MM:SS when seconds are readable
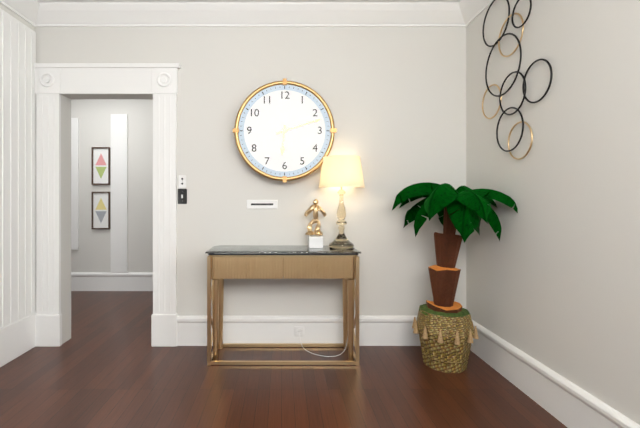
**6:12**
